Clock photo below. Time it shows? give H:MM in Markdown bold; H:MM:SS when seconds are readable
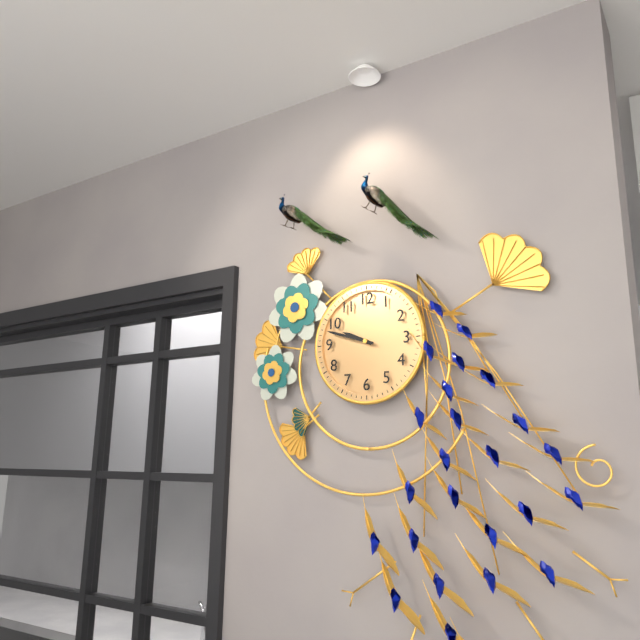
**9:48**
